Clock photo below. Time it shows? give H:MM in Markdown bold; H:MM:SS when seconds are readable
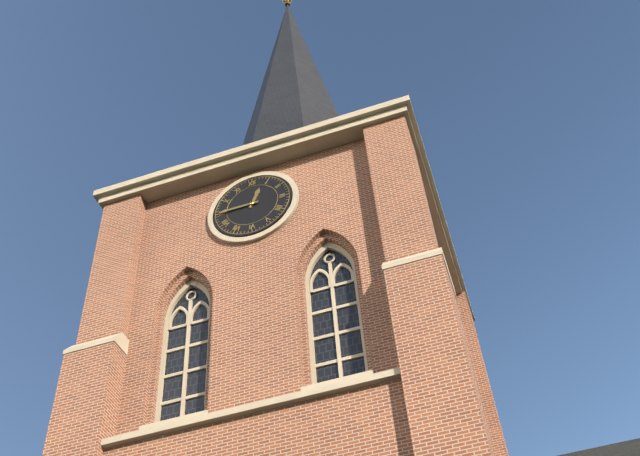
**12:45**
